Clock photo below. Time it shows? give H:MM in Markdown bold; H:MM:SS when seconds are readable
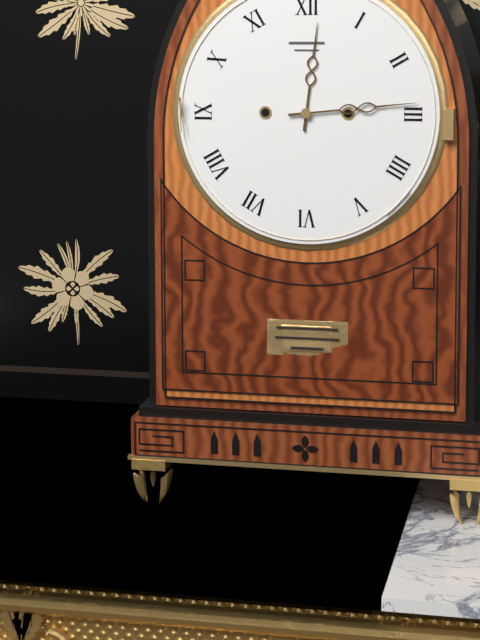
**12:14**
